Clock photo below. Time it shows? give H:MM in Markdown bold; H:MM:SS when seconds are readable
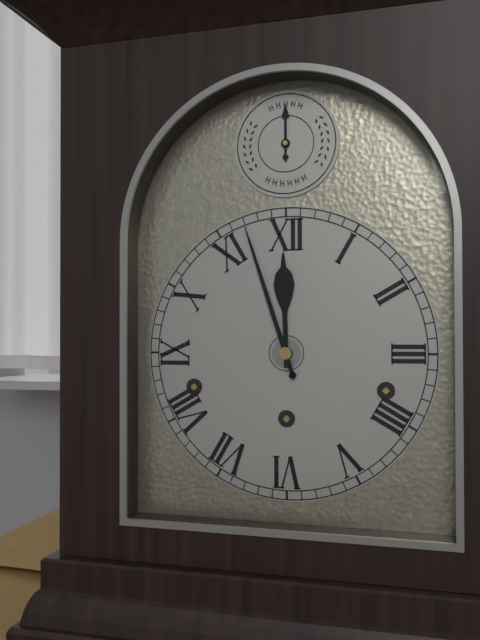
**11:57**
